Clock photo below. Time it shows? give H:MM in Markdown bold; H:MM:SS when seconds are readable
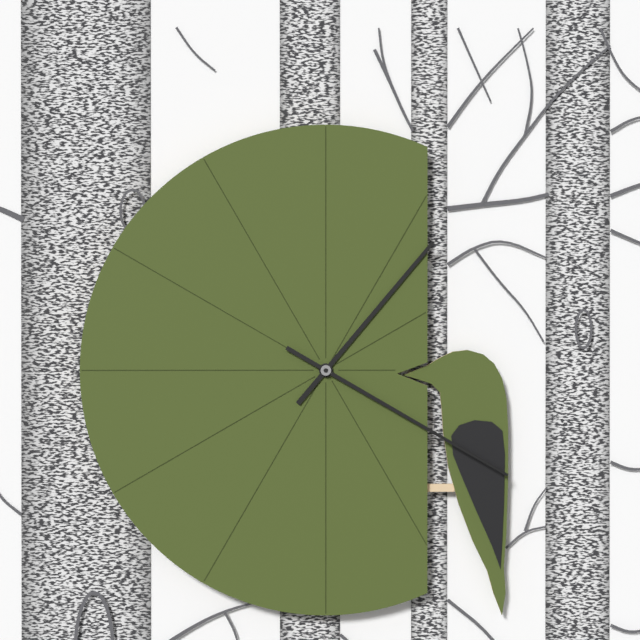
**1:20**
